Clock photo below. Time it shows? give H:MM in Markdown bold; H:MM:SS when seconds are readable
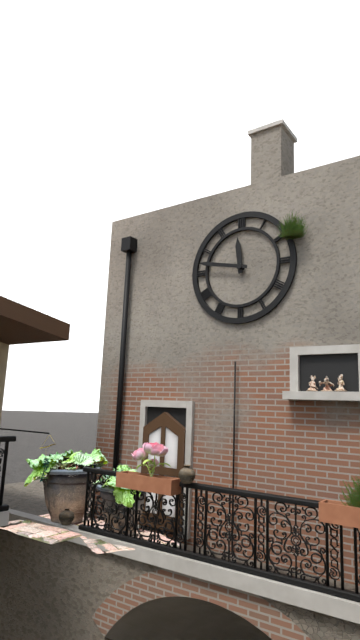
**11:47**
